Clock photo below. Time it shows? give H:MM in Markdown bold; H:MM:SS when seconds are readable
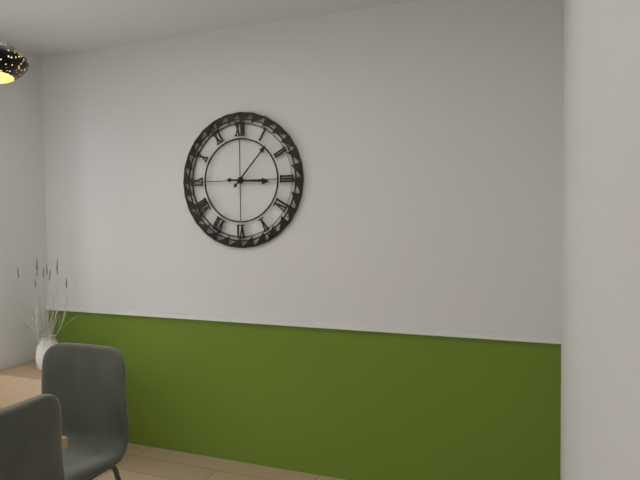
**3:07**
